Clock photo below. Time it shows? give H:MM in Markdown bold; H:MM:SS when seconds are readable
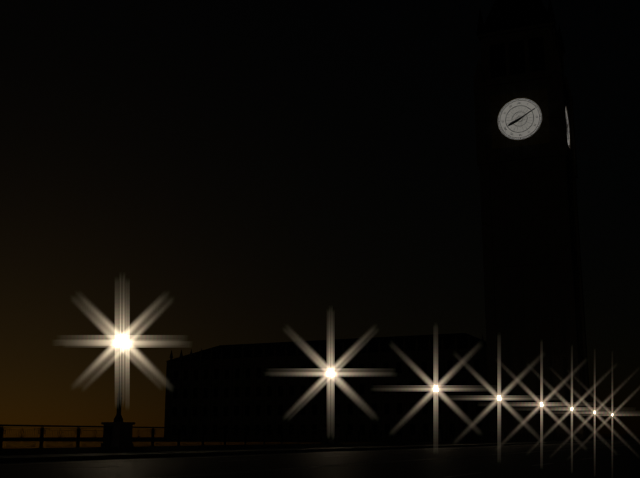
**8:10**
